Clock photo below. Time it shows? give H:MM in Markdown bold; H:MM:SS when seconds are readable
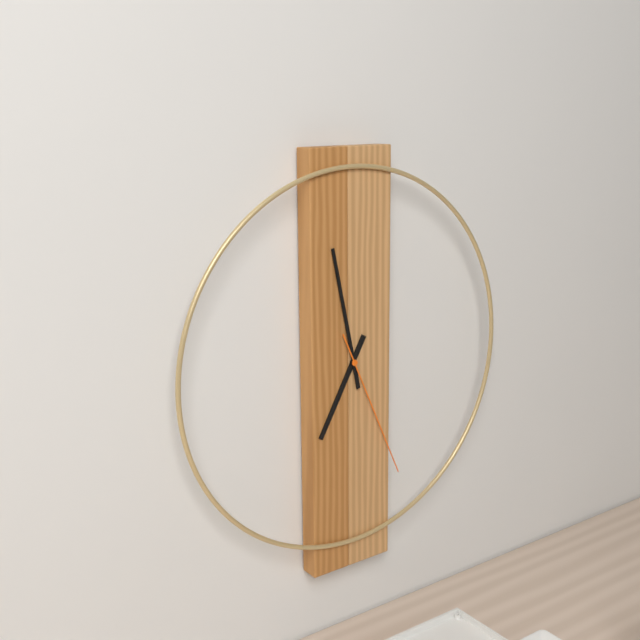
**6:58:26**
